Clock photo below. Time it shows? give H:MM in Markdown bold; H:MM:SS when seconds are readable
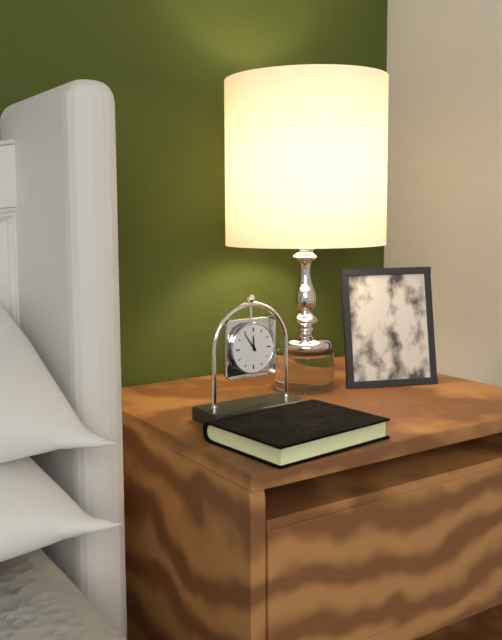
**11:54**
